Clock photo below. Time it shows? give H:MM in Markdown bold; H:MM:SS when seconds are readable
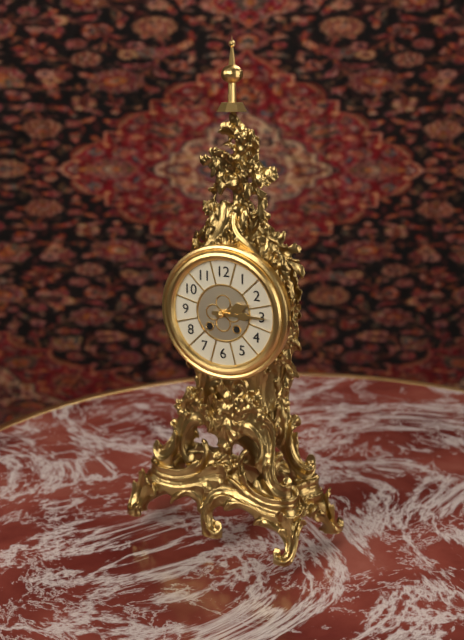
**2:15**
